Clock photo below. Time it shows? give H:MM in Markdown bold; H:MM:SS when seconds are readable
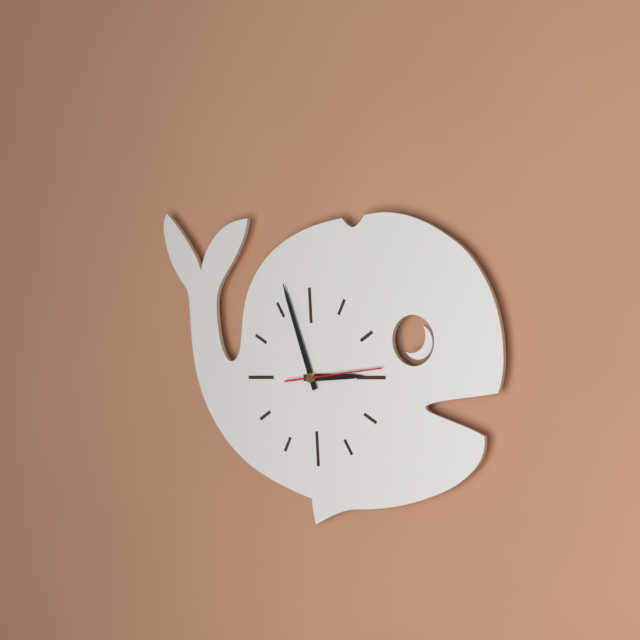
**2:57:14**
